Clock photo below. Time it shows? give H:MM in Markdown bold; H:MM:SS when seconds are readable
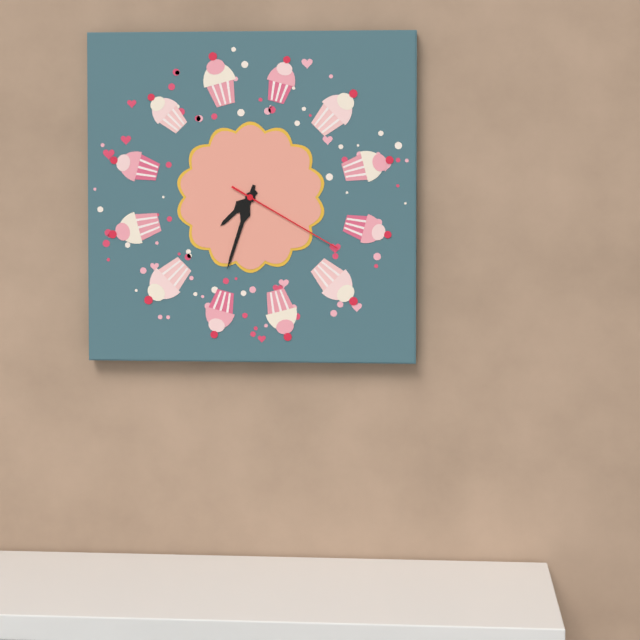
**7:33:20**
